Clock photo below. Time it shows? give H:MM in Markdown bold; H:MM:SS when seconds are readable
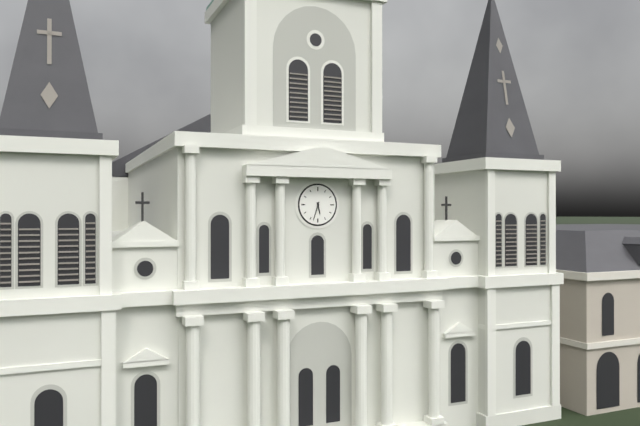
**5:33**
